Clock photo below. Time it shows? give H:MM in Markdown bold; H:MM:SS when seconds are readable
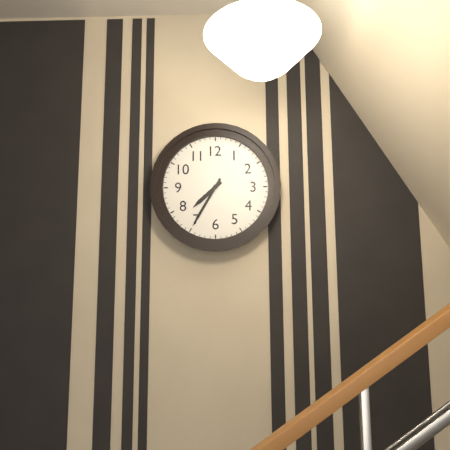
**7:35**
